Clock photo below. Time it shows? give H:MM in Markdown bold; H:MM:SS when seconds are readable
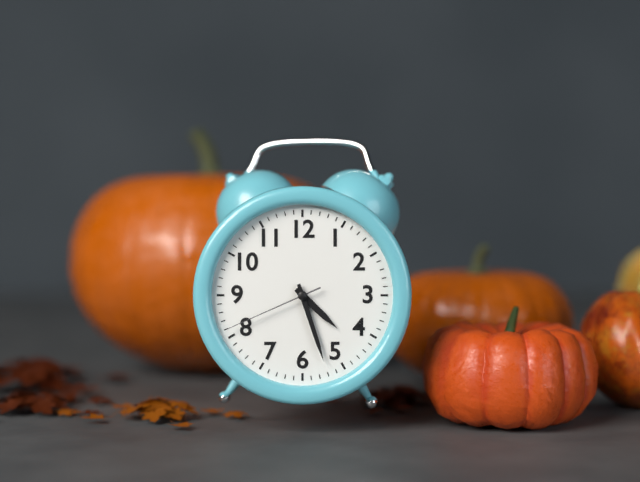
**4:27:41**
